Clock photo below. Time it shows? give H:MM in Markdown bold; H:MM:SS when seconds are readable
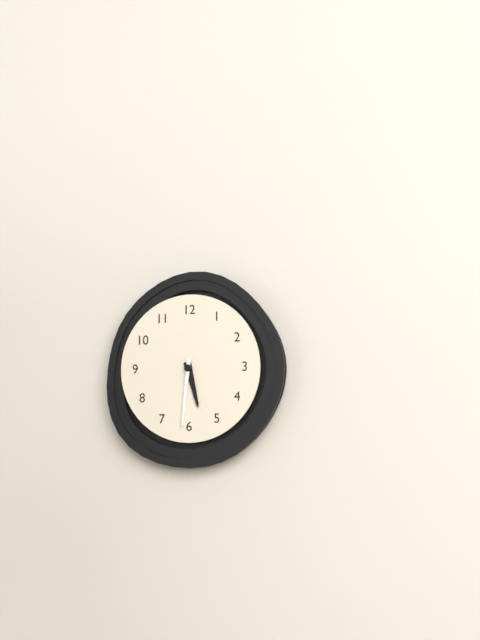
**5:31**
